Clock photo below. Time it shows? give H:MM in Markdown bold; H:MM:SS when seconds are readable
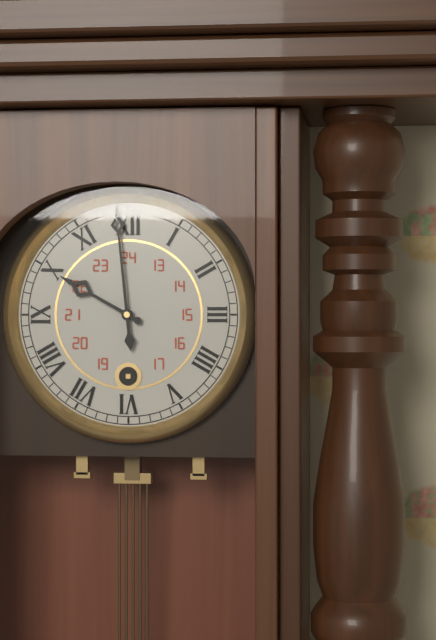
**9:59**
